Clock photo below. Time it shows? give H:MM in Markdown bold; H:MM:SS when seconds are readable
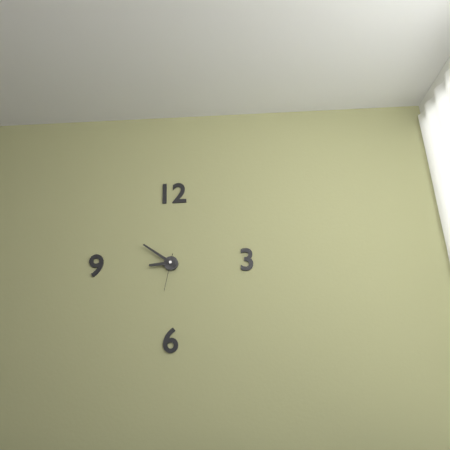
**8:51**
